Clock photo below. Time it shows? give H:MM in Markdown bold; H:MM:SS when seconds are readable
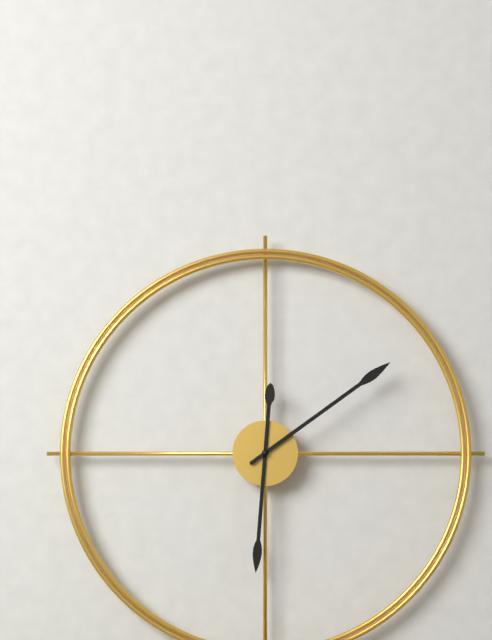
**6:09**
